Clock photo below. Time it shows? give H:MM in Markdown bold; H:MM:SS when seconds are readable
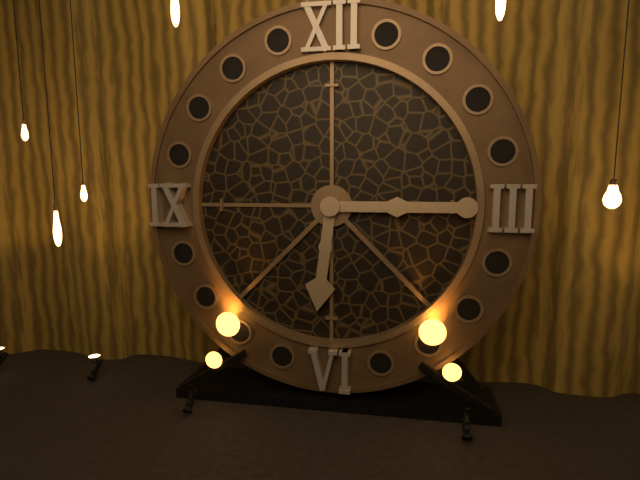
**6:15**
